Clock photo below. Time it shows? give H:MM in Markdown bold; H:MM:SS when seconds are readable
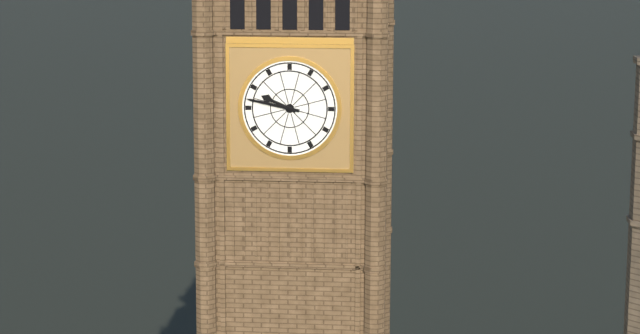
**9:47**
